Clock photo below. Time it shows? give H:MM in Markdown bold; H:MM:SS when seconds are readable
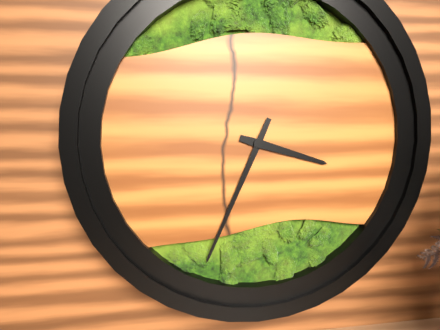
**3:34**
